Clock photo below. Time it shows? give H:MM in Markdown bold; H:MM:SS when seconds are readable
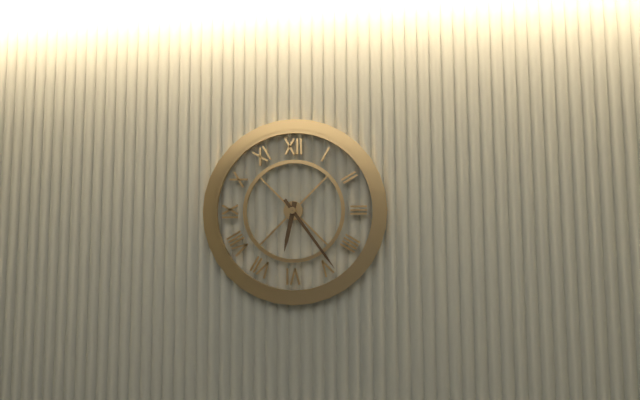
**6:24**
